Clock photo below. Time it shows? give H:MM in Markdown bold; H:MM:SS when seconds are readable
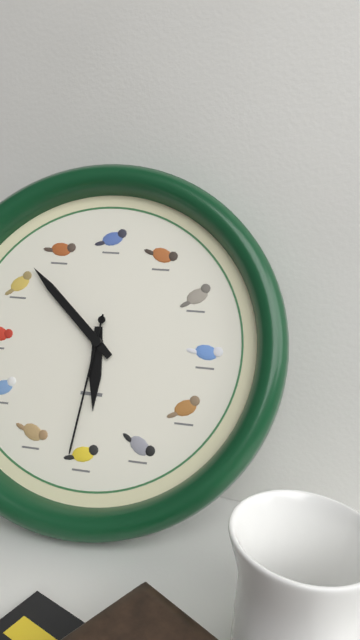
**5:52:31**
